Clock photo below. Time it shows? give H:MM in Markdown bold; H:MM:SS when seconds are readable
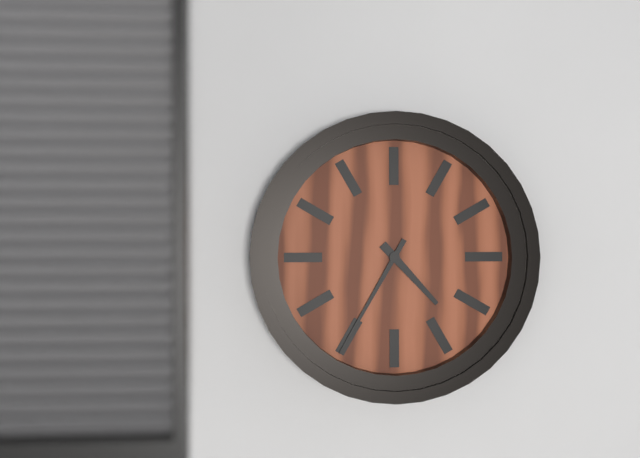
**4:35**
